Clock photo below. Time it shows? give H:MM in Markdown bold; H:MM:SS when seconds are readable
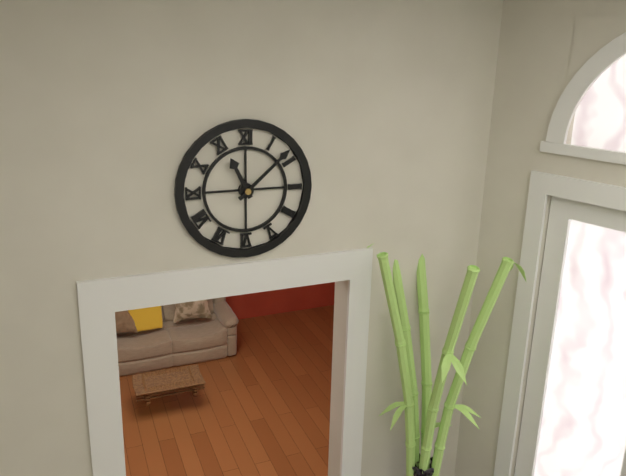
**11:08**
